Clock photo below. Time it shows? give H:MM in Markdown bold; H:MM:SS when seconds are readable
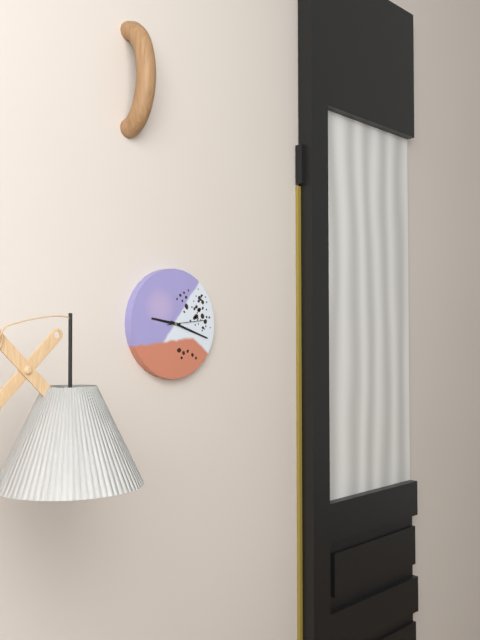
**9:18**
